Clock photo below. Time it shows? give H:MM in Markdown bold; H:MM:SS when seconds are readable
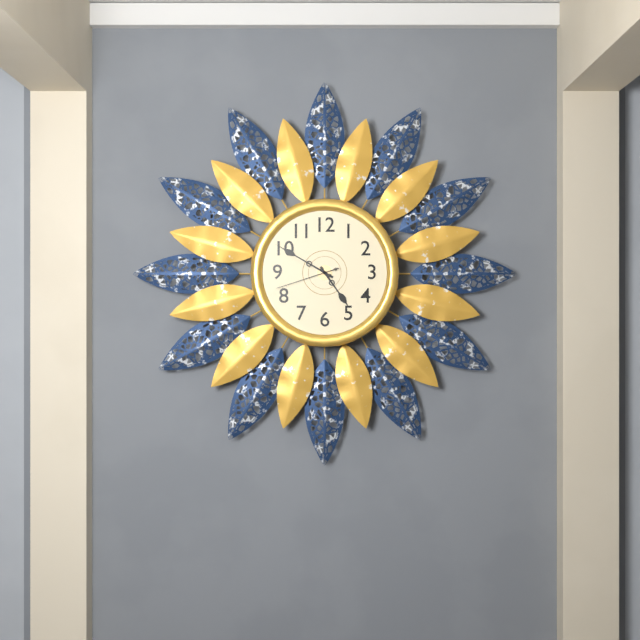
**4:50:42**
